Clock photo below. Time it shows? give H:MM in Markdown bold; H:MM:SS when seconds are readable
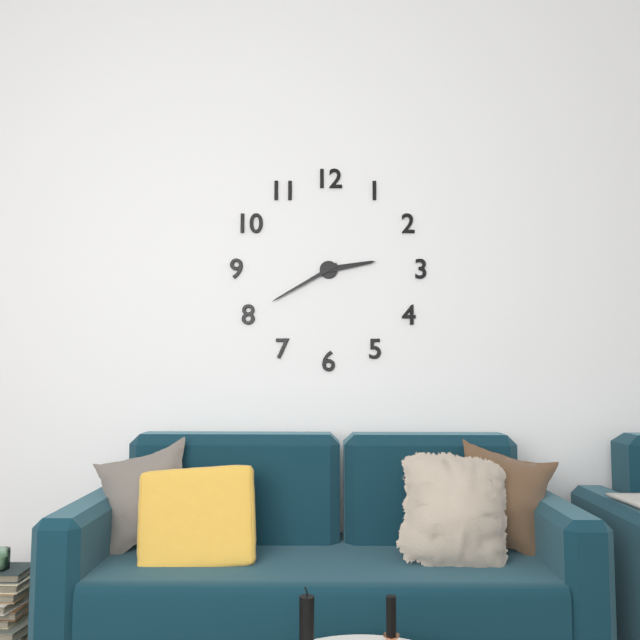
**2:40**
